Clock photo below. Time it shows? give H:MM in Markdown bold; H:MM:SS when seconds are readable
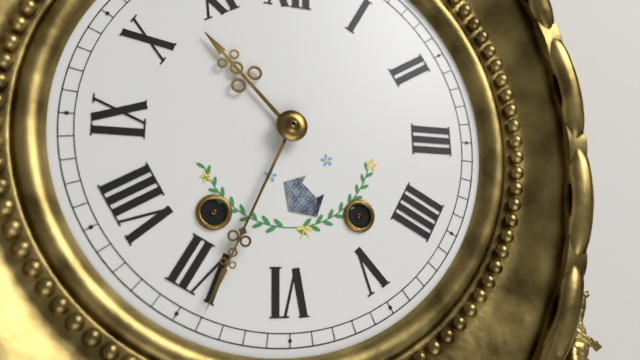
**10:34**
